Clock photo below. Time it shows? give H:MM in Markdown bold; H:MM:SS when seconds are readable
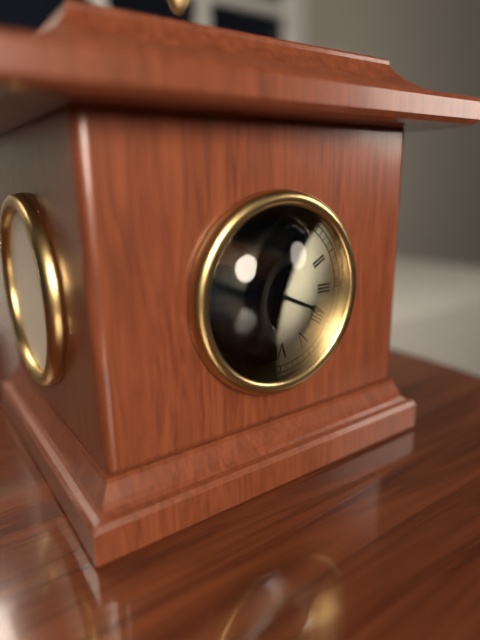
**12:19:32**
